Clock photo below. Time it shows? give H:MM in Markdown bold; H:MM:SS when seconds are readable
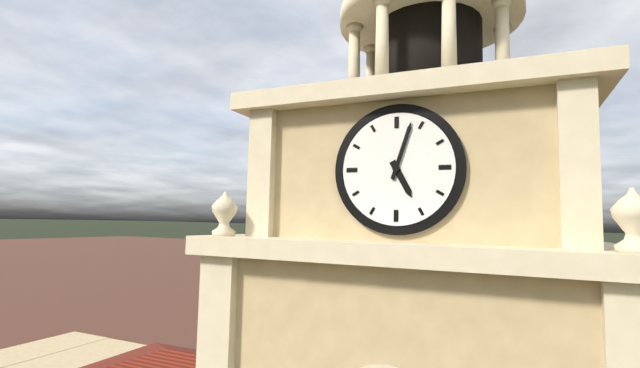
**5:03**
